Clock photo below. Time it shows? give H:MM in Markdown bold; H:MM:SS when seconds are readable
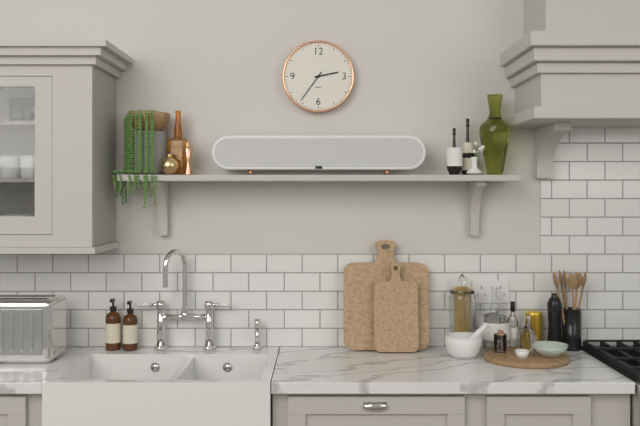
**2:36**
